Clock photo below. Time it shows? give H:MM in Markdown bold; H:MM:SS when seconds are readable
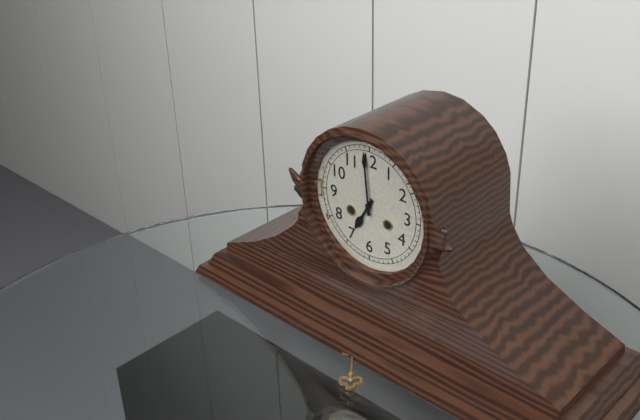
**6:59**
